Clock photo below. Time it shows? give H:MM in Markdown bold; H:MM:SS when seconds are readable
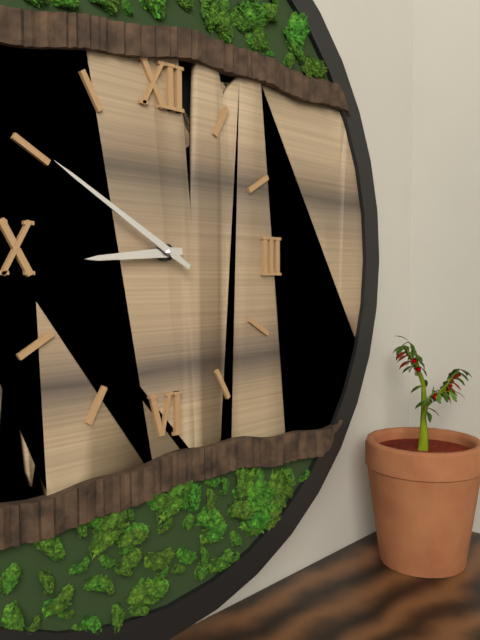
**8:50**
